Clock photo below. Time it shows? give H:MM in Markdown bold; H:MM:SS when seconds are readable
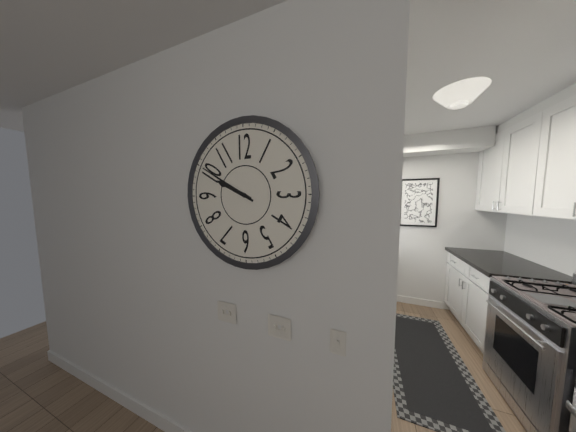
**9:50**
